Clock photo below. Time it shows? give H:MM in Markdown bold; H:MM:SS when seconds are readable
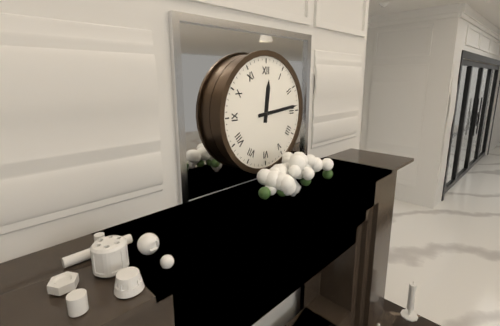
**12:14**
